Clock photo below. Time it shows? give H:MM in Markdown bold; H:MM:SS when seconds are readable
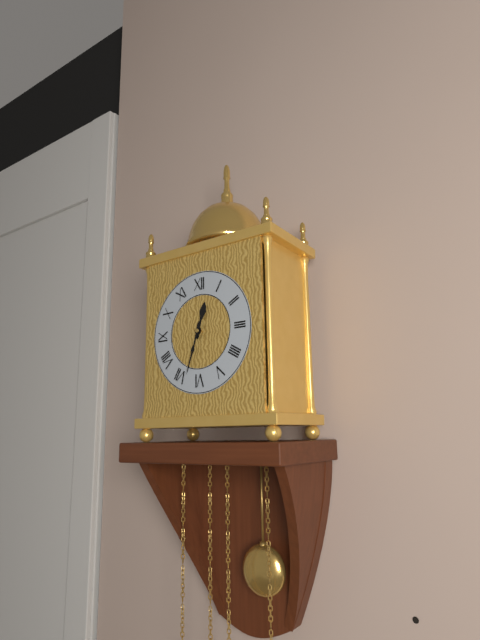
**12:33**
